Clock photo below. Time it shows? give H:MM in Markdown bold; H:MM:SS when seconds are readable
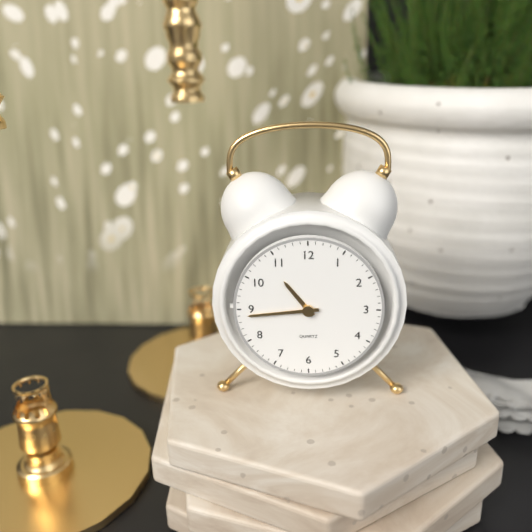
**10:44**
